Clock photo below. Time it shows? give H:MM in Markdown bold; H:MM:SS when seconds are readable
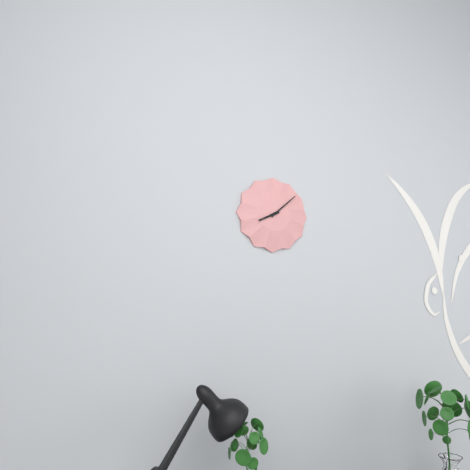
**8:08**
